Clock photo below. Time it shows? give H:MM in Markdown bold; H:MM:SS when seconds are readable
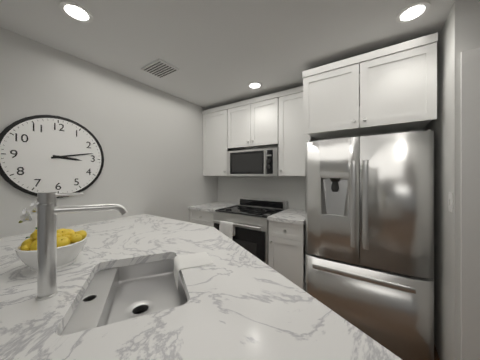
**3:13**
